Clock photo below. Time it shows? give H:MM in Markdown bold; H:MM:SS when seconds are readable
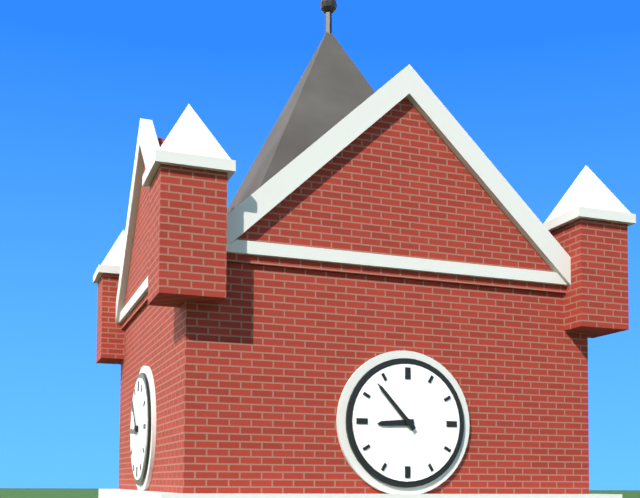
**8:53**
